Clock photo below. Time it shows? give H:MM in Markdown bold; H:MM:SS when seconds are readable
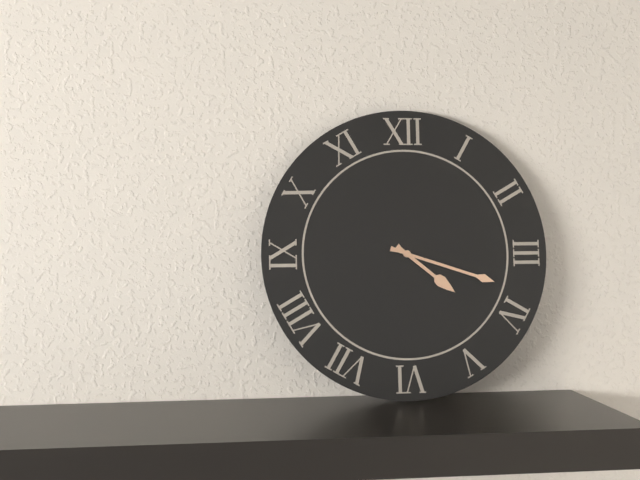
**4:18**
